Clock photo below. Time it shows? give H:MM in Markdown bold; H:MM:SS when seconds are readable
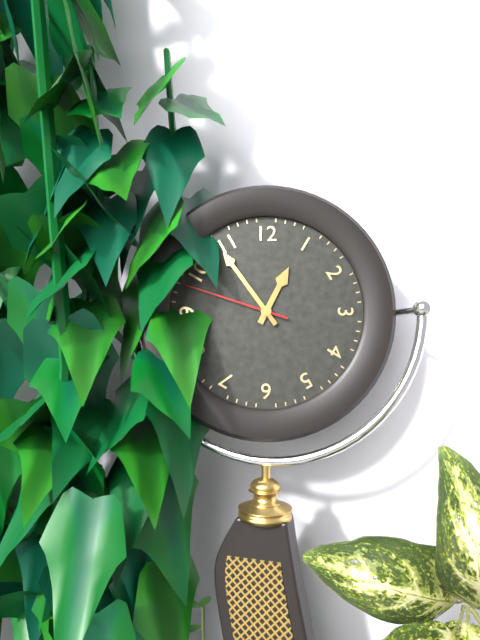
**12:54:48**
